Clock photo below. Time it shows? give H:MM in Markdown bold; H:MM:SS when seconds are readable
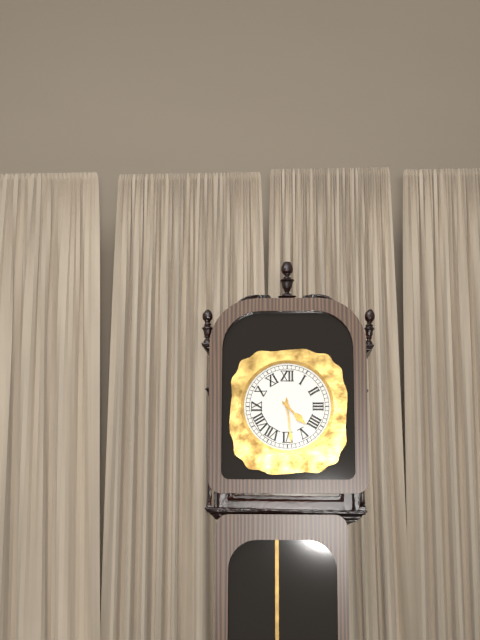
**4:29**
